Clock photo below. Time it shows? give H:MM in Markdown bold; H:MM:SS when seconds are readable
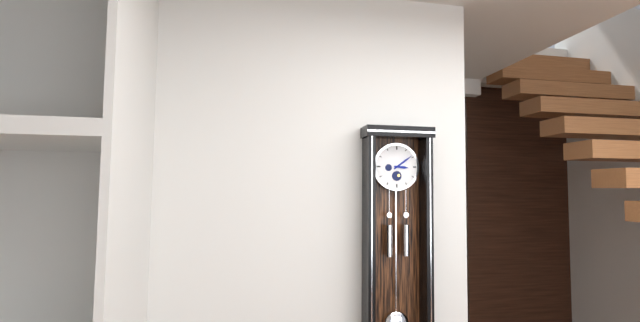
**3:09**
